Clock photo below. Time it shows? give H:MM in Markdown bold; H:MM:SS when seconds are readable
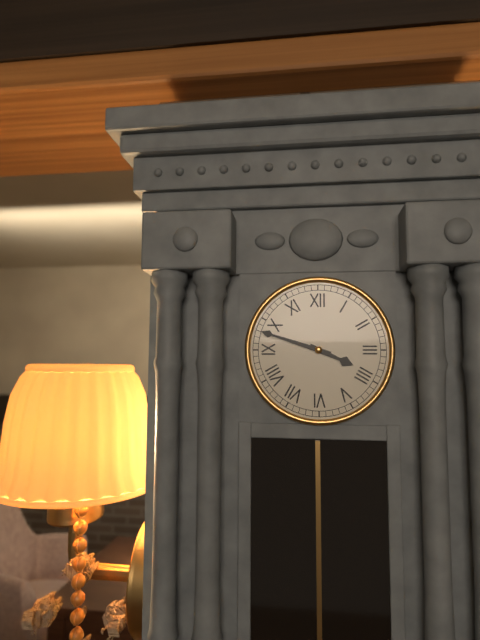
**3:48**
